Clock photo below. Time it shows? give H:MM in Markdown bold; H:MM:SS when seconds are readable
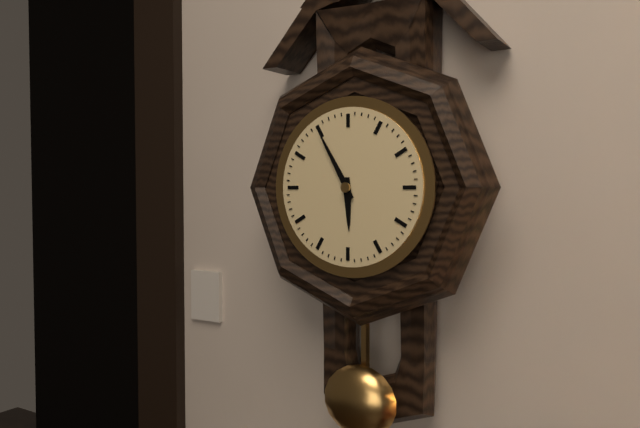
**5:55**
